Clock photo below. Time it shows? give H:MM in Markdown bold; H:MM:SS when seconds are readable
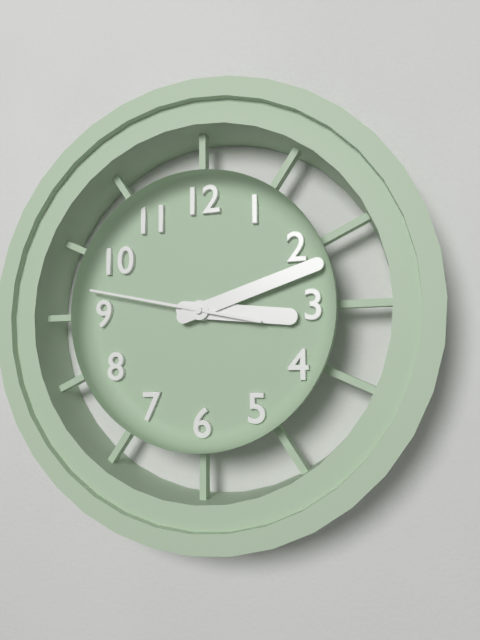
**3:12:47**
